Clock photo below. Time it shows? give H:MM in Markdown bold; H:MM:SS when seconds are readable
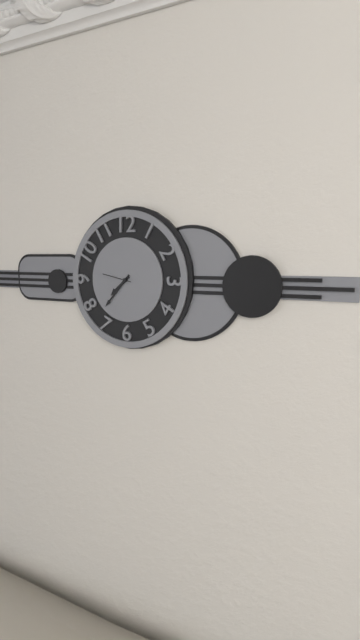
**7:37**
